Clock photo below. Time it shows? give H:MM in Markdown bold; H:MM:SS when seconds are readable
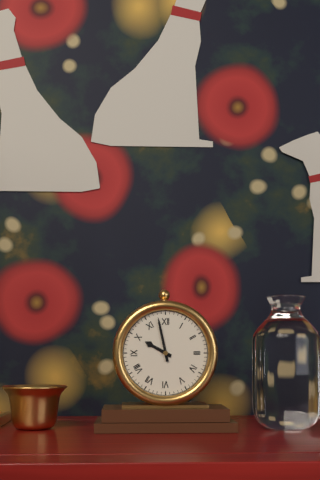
**9:58**
